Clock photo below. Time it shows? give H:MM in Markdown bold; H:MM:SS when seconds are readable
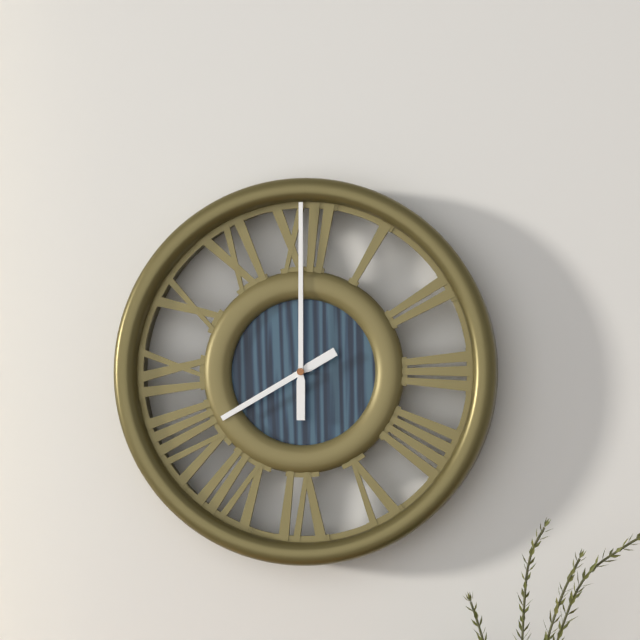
**8:00**
